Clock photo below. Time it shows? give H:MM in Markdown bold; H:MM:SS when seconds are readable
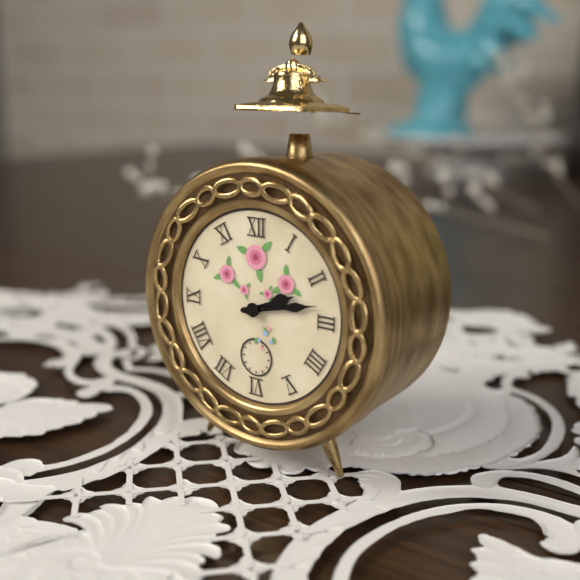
**2:13**
